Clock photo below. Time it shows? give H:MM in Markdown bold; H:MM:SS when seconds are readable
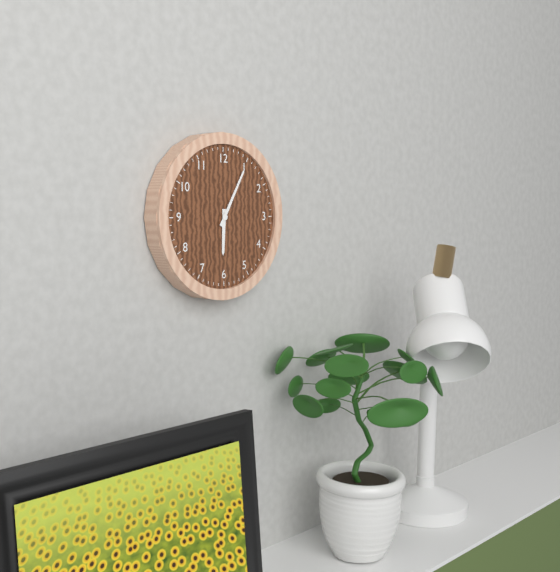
**6:05**
